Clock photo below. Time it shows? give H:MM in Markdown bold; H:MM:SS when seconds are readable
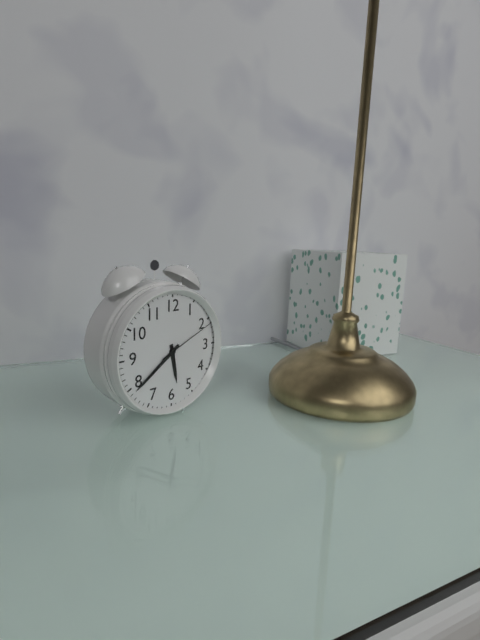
**5:39:11**
